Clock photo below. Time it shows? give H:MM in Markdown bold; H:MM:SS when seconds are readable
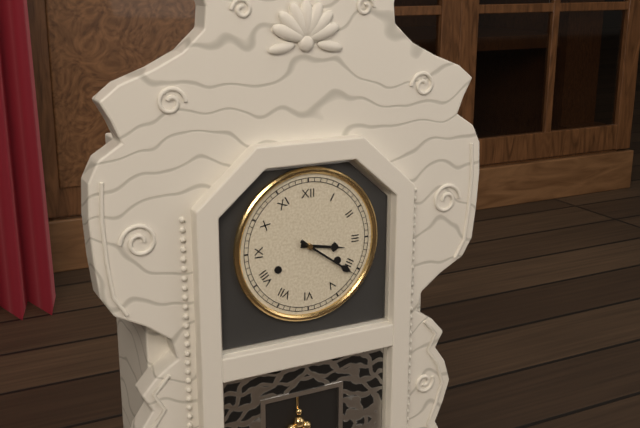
**3:21**
